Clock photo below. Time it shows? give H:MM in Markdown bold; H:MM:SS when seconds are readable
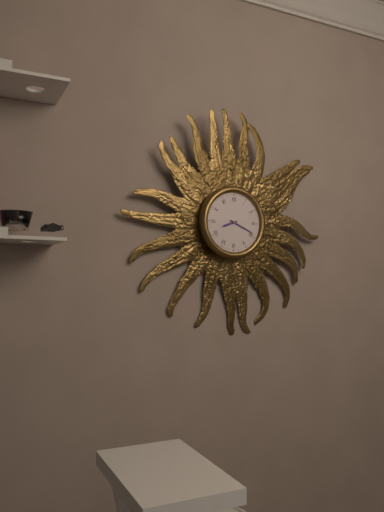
**8:19**
